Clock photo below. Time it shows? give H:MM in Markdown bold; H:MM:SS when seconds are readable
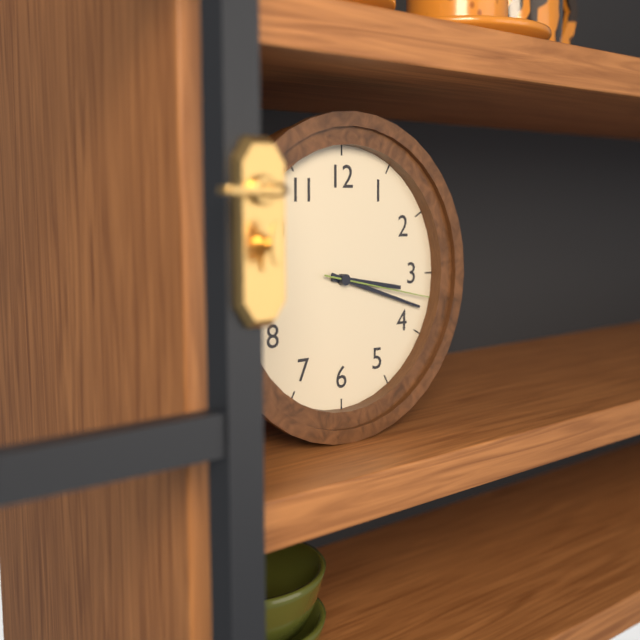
**3:18:17**
